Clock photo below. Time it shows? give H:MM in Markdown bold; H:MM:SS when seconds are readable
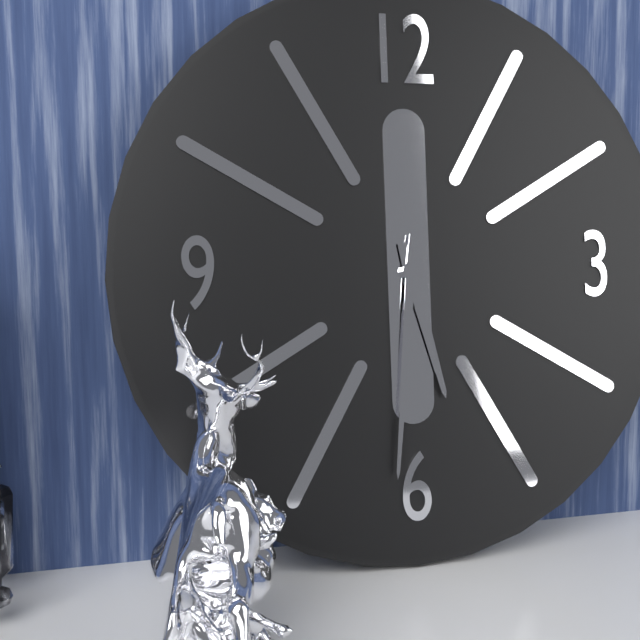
**5:31**
